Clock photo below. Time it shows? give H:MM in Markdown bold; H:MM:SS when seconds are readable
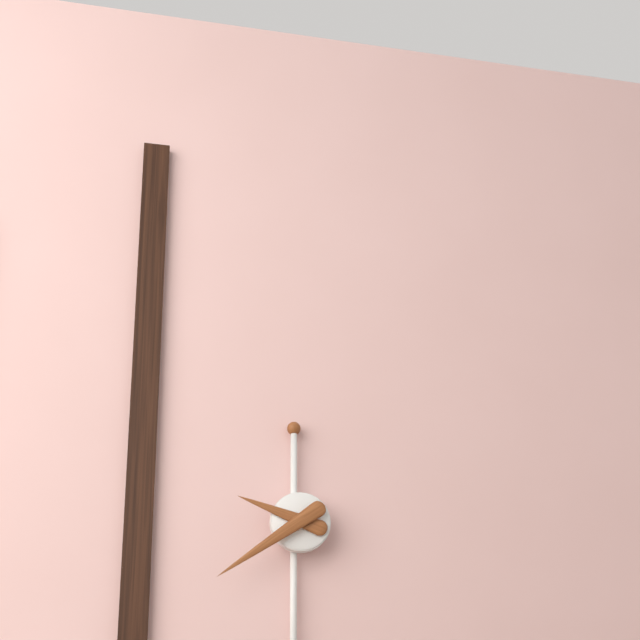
**9:39**
